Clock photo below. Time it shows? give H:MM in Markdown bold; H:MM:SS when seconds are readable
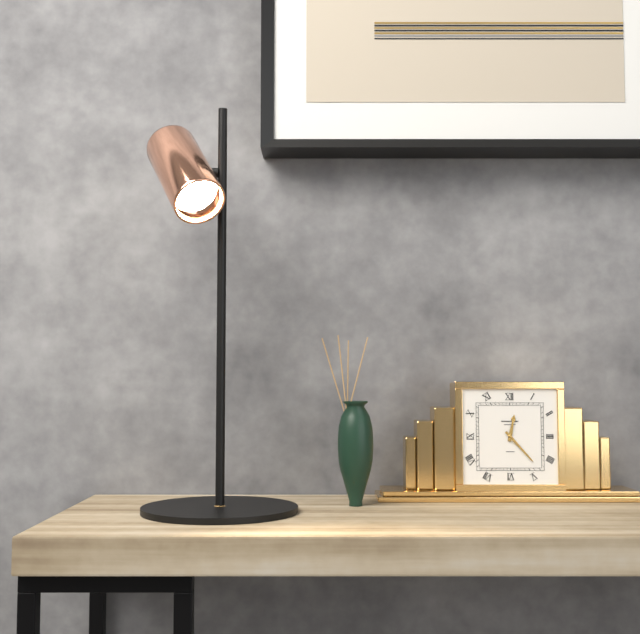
**12:23**
